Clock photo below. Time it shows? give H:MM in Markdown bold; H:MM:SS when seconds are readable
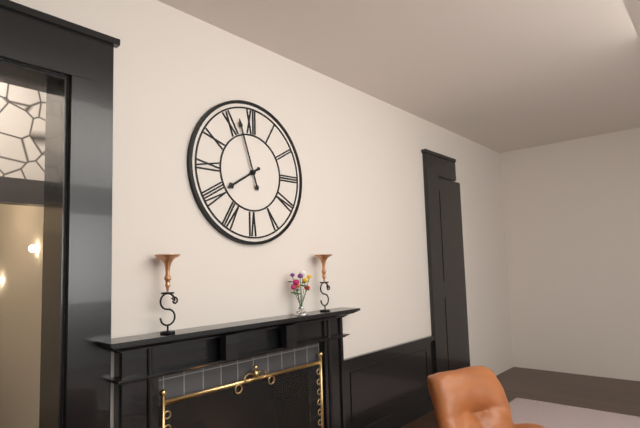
**7:57**
